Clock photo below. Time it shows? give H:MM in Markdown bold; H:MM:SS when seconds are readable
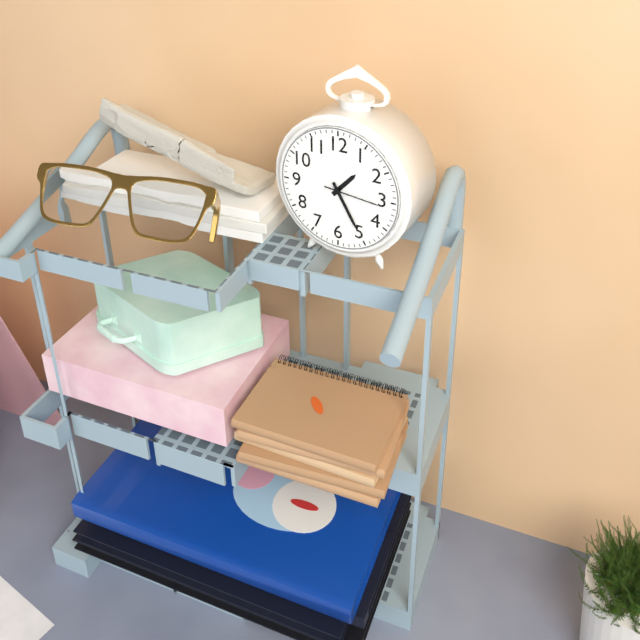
**1:25:16**
